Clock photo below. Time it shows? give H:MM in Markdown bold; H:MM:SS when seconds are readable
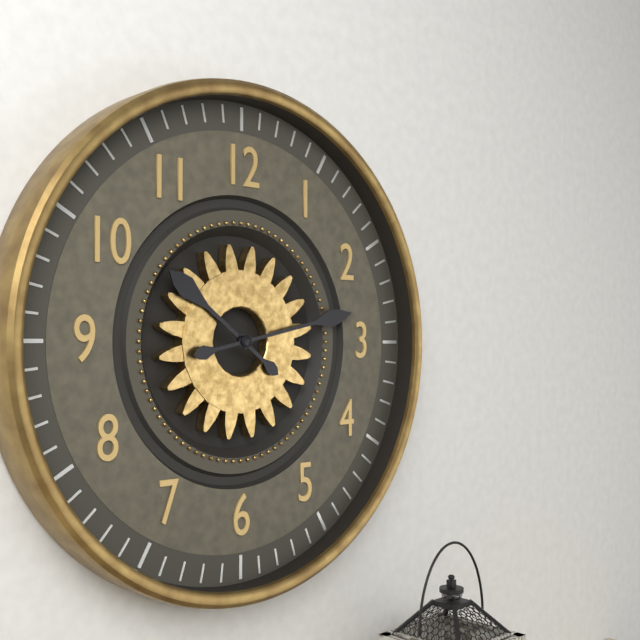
**10:13**
